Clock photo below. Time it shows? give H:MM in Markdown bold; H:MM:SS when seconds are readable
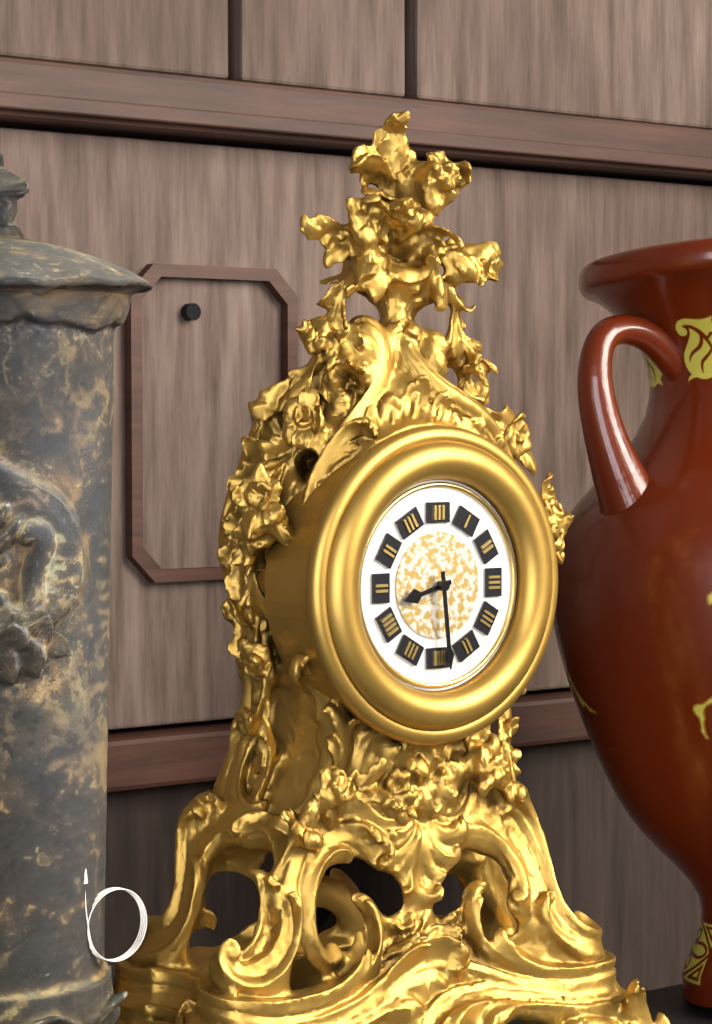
**8:29**
